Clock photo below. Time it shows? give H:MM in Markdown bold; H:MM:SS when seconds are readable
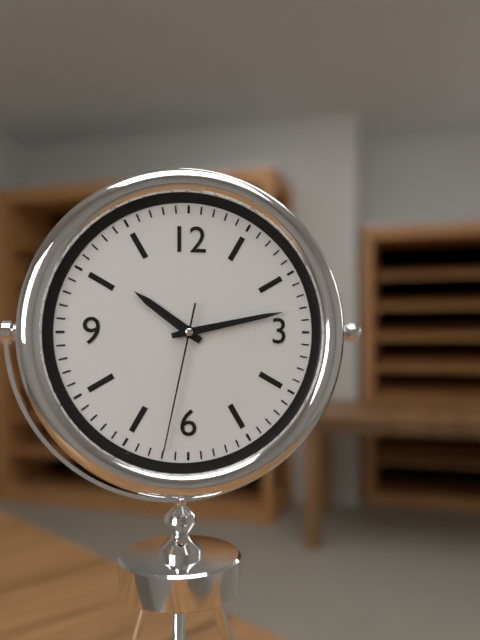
**10:13:32**
